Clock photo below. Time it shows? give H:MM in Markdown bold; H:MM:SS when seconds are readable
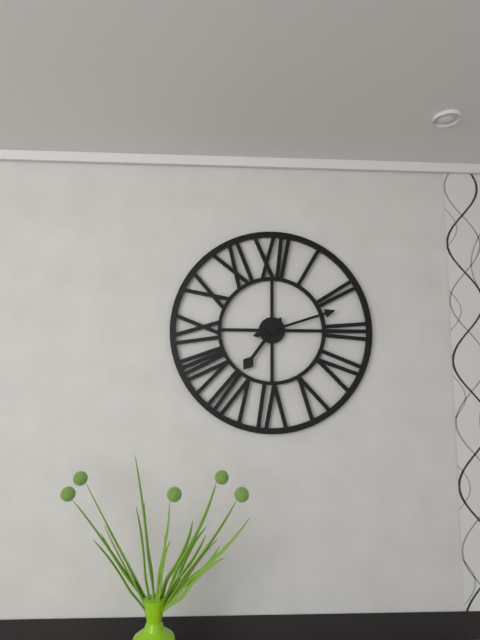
**7:12**
